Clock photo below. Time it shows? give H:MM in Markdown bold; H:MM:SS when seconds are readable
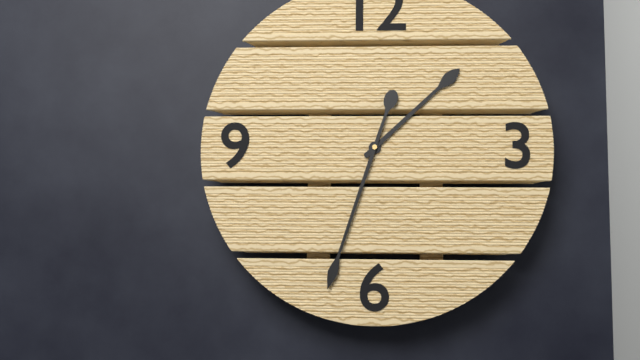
**1:33**
